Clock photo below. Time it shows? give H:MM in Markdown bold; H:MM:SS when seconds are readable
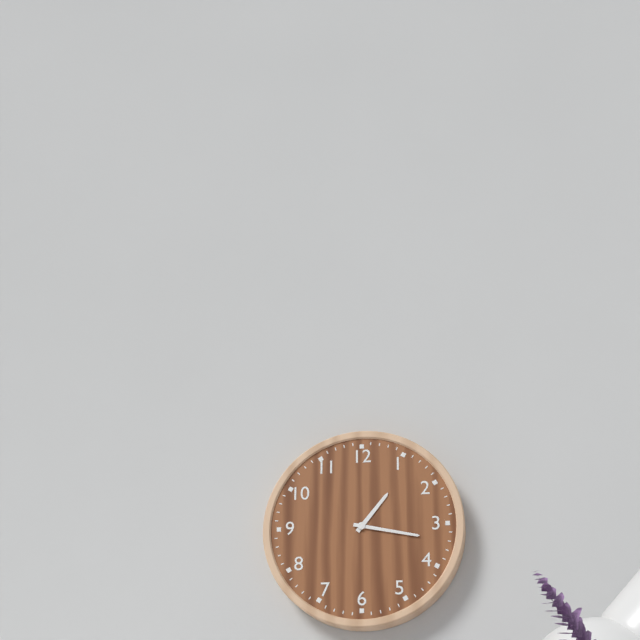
**1:17**
